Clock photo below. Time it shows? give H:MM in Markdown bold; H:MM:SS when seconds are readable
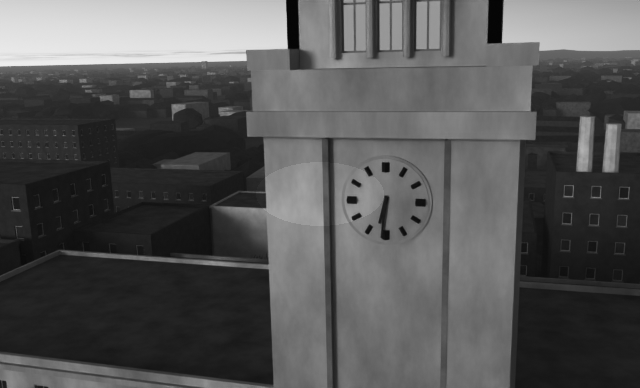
**6:31**
